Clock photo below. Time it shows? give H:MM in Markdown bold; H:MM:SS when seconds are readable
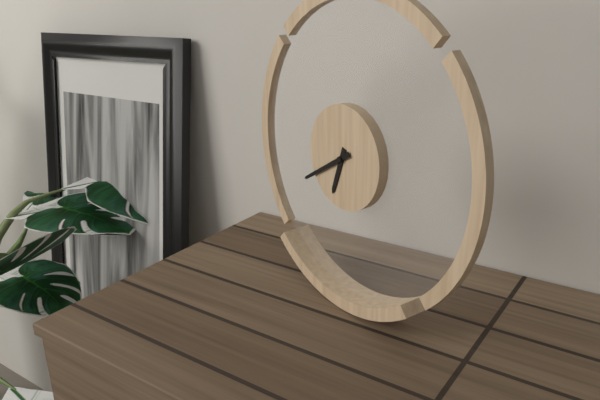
**6:40**
